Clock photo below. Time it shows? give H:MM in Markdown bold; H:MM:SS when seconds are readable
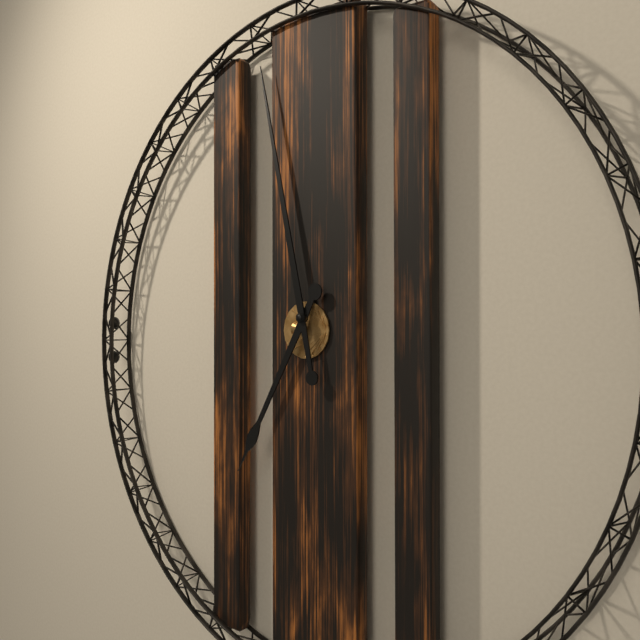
**6:58**
